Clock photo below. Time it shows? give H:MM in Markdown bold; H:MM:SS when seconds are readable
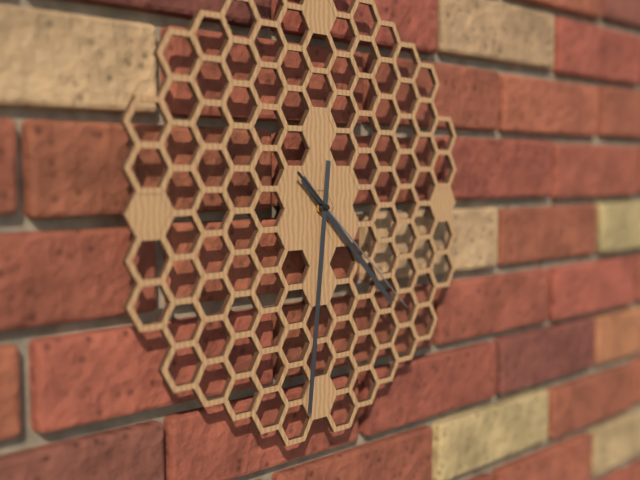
**4:31:22**
